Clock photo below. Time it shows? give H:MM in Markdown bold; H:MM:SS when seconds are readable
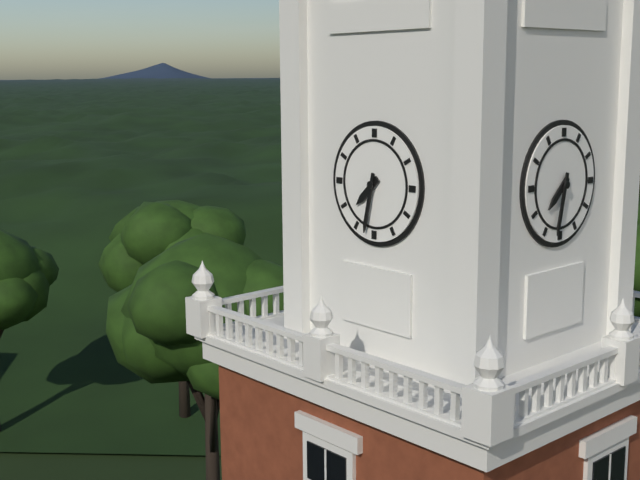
**7:32**
